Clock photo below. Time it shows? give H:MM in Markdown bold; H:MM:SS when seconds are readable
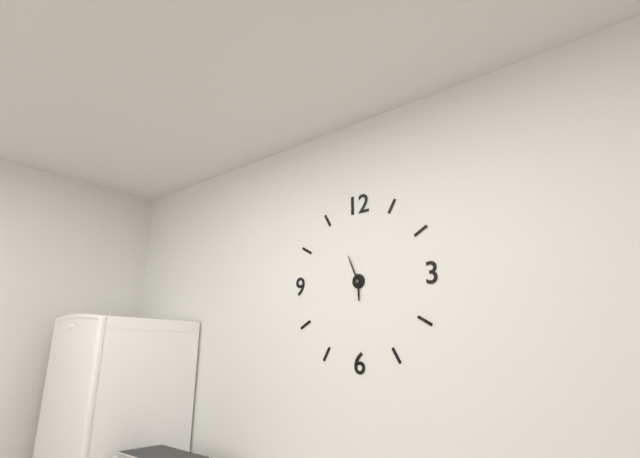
**5:56**
